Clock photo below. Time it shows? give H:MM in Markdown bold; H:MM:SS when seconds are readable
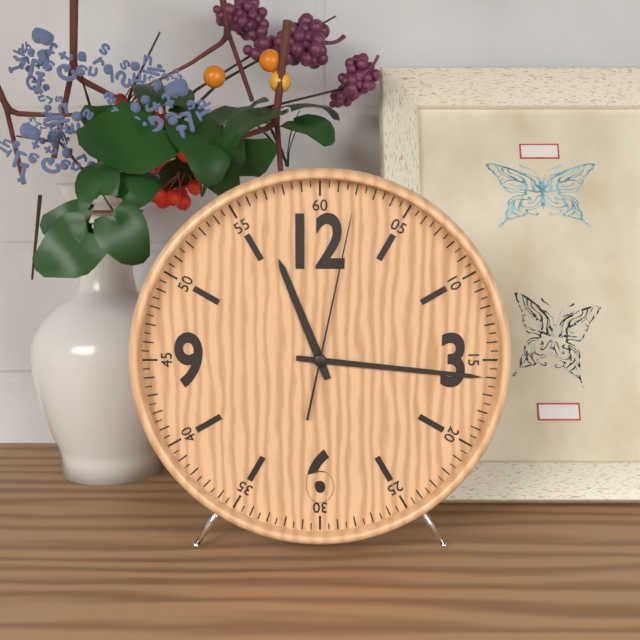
**11:16:02**
